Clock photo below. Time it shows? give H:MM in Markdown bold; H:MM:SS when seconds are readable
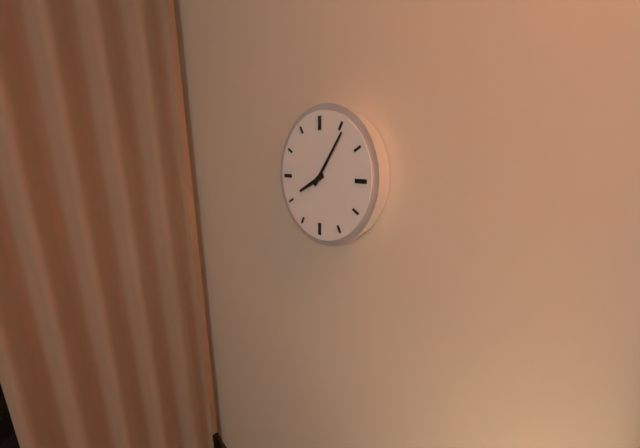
**8:06**
